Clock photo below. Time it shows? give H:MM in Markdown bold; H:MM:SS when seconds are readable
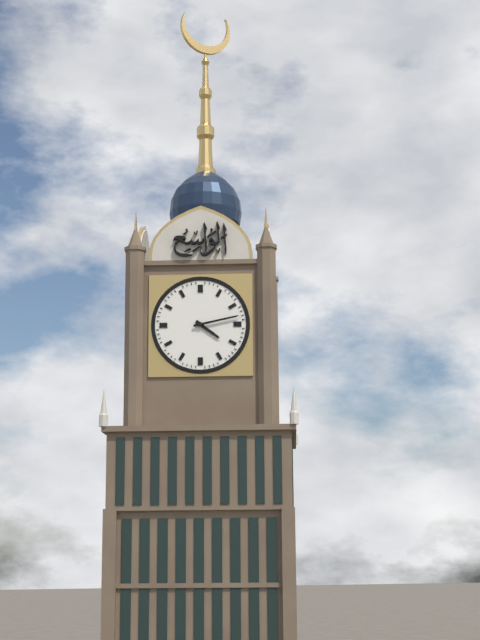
**4:13**
